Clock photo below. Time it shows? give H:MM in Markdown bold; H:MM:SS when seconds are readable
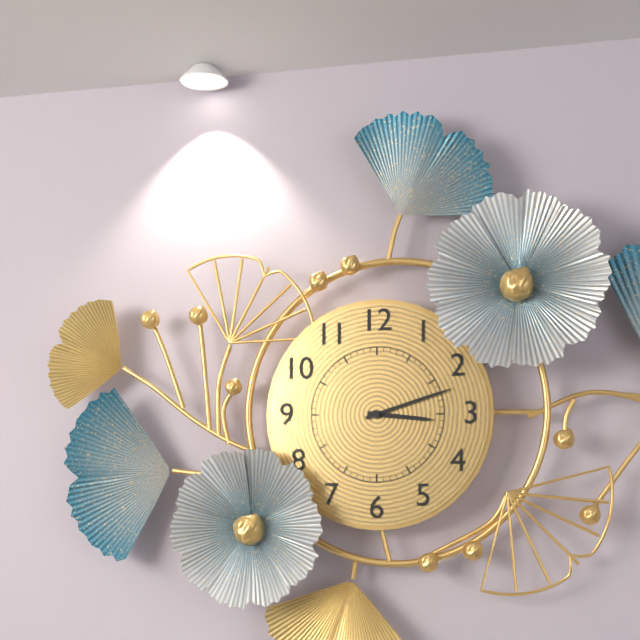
**3:12**
